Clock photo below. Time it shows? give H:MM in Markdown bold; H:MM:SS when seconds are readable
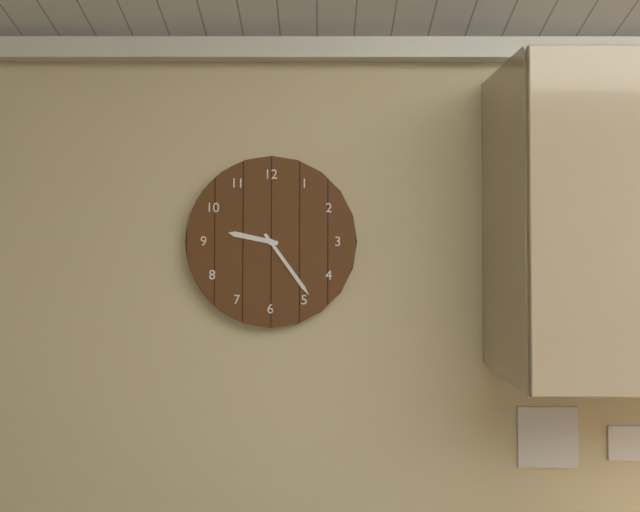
**9:24**
